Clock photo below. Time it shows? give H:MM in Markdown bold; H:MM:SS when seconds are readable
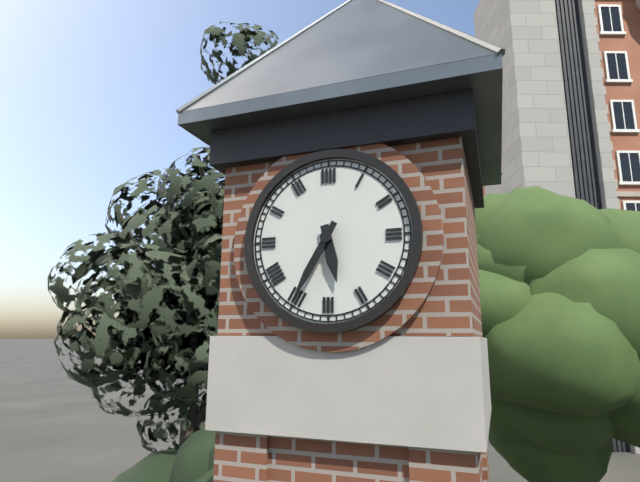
**5:35**
